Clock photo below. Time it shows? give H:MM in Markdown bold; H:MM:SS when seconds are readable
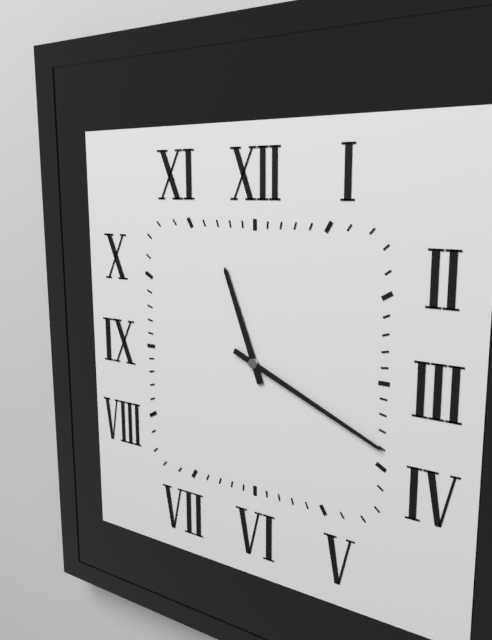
**11:19**
